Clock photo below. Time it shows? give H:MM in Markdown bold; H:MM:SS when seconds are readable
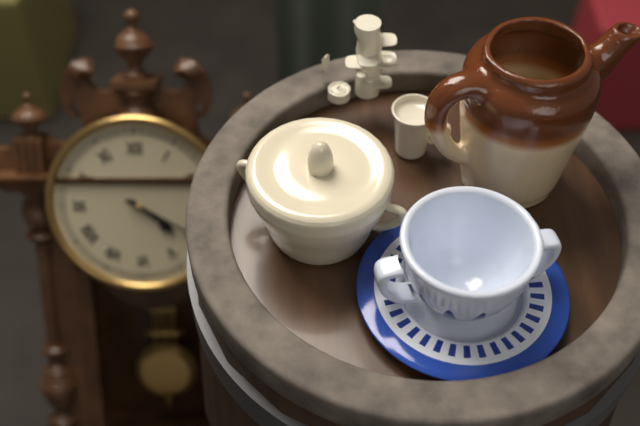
**4:20**
